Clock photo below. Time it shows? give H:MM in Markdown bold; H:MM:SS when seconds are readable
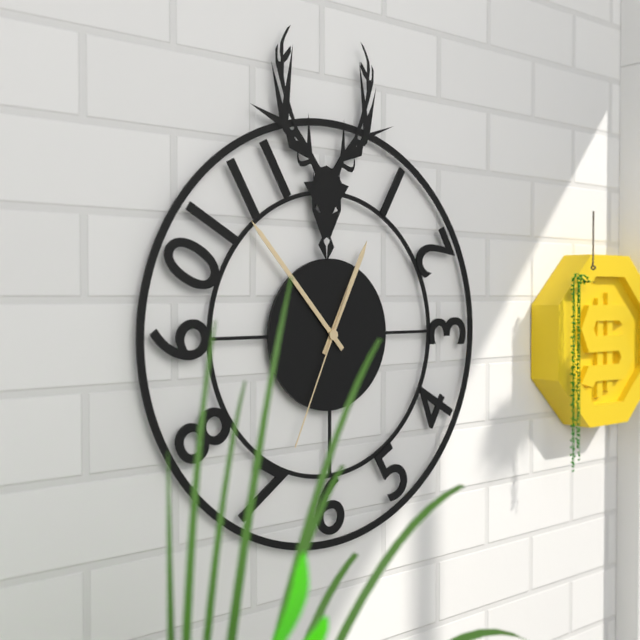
**12:53:34**
